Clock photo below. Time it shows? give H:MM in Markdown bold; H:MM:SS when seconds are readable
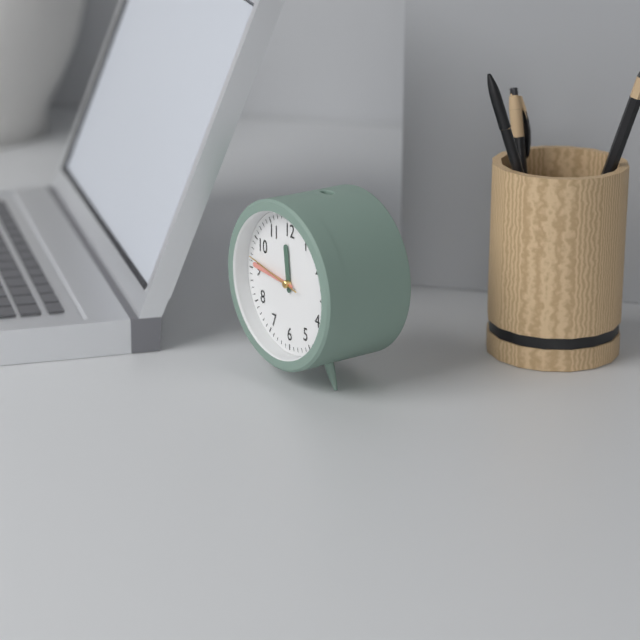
**11:46:47**
